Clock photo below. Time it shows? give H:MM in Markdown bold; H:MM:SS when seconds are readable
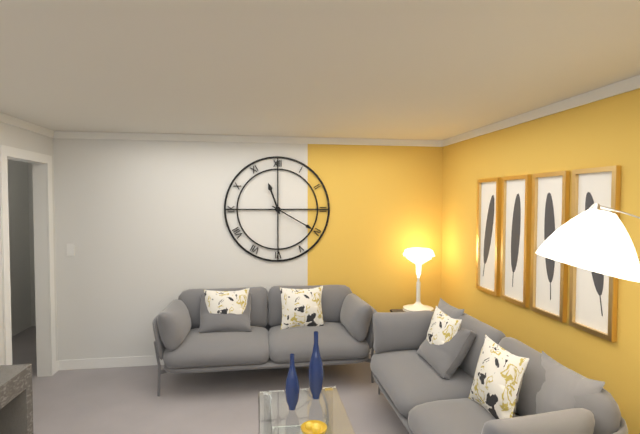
**11:20**
